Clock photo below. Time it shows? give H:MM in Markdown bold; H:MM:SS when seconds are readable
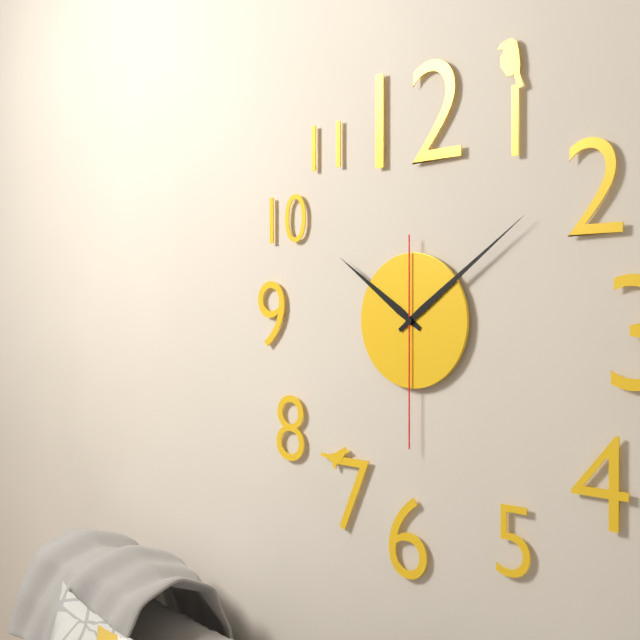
**10:09:30**
